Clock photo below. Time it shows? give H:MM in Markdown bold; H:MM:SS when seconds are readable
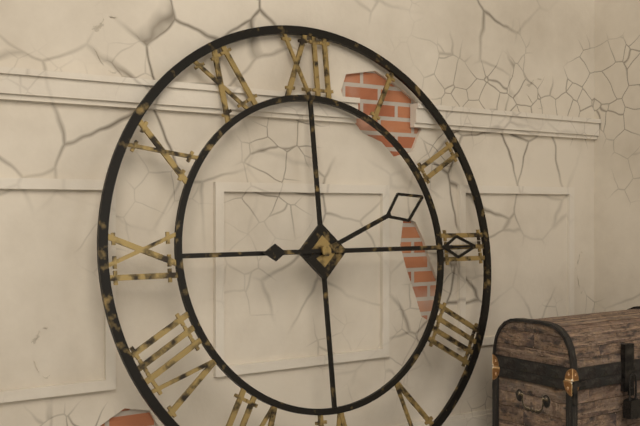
**2:15**
